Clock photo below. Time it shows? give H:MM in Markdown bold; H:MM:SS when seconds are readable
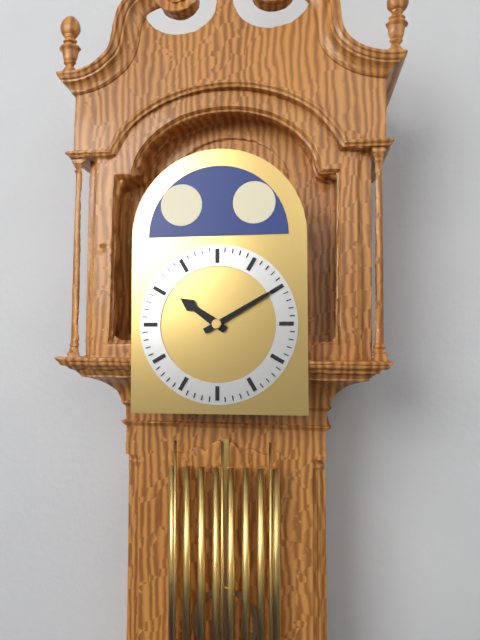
**10:10**
